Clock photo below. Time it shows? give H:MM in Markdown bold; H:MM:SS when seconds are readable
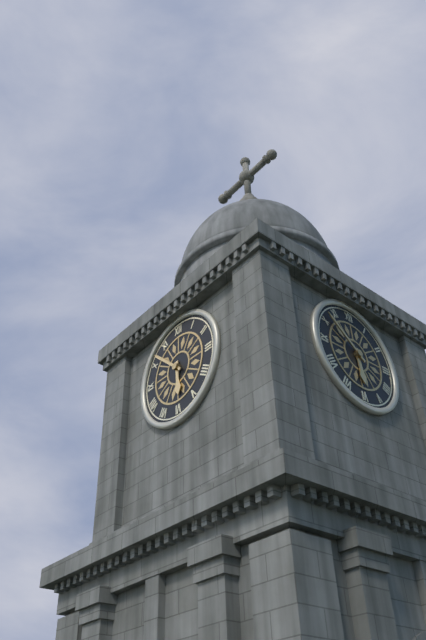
**5:52**
